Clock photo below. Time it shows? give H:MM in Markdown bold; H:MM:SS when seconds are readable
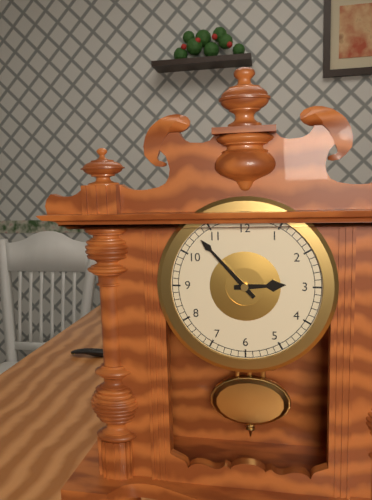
**2:53**
